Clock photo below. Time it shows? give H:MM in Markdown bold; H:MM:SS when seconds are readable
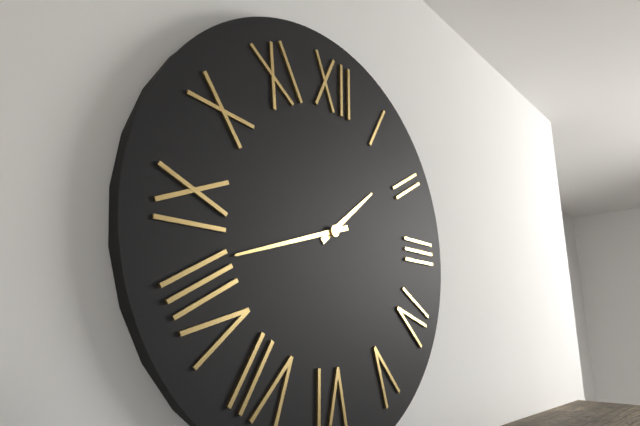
**1:42**
